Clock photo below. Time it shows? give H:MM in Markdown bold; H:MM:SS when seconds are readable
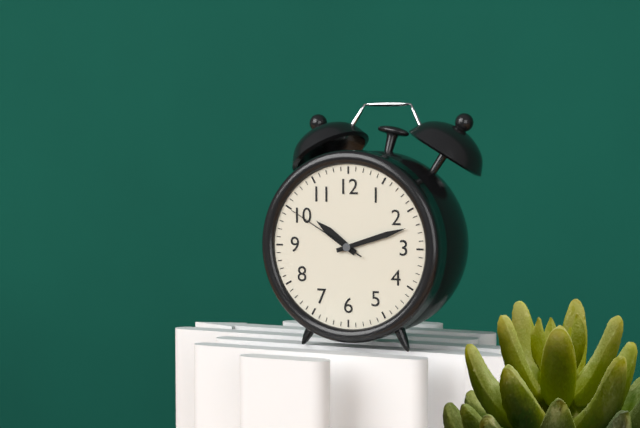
**10:12:50**
